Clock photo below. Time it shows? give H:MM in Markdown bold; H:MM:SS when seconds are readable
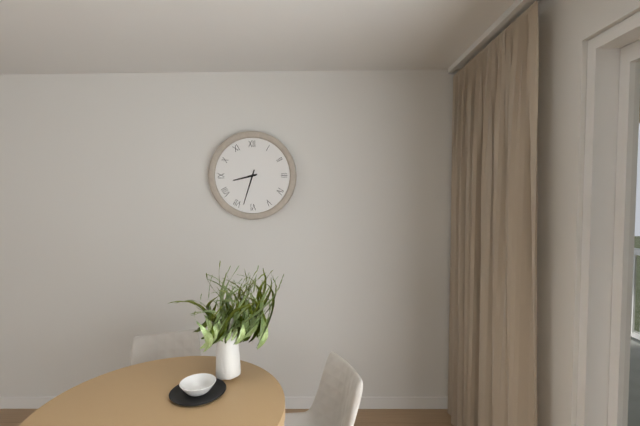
**8:33**
